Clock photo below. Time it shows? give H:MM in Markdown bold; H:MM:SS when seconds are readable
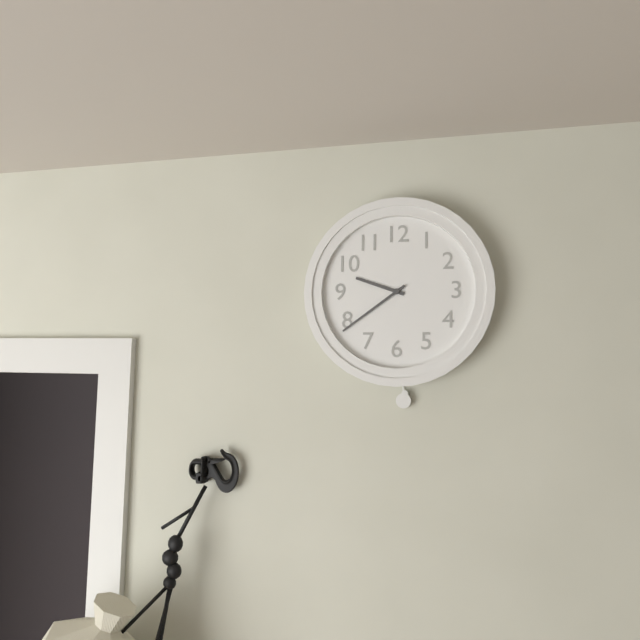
**9:39**
